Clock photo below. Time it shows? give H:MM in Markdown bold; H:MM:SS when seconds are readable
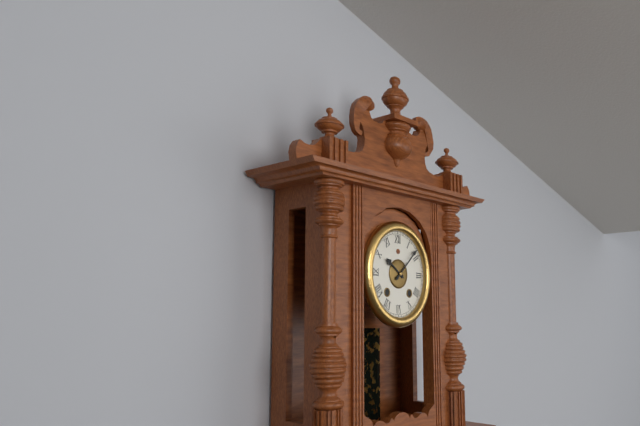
**10:08**
